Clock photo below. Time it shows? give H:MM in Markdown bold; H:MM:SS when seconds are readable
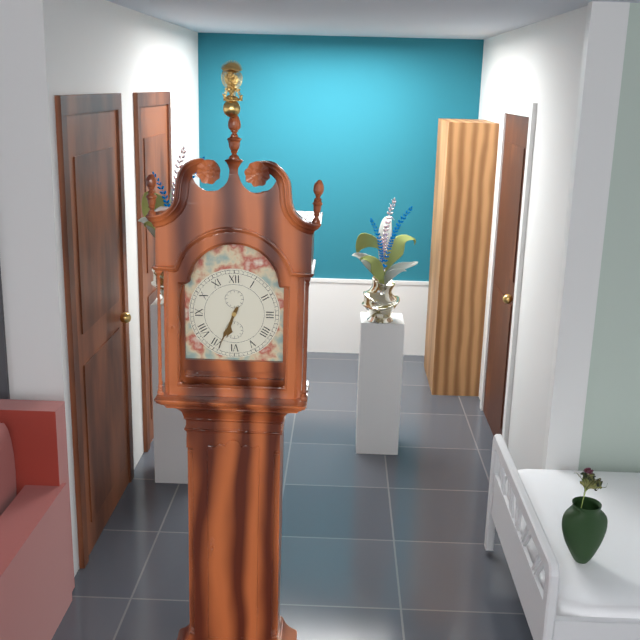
**6:34**
